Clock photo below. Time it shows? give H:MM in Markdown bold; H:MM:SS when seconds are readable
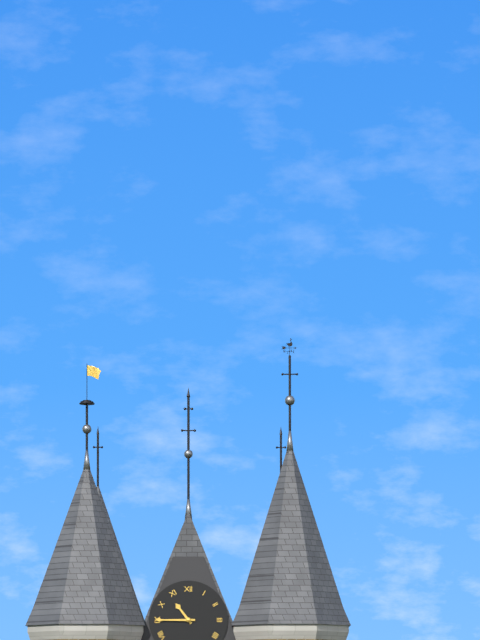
**10:45**
